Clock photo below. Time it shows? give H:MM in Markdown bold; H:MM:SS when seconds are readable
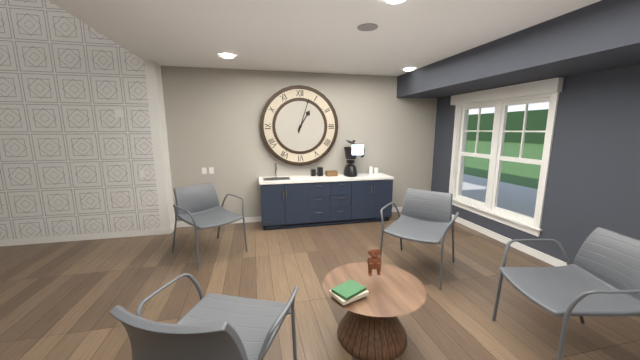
**1:03**
